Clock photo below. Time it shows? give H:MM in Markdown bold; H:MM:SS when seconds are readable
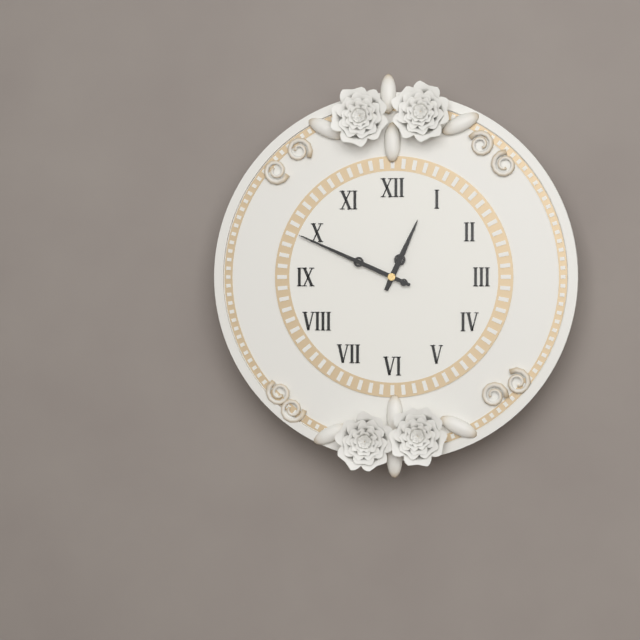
**12:49**
